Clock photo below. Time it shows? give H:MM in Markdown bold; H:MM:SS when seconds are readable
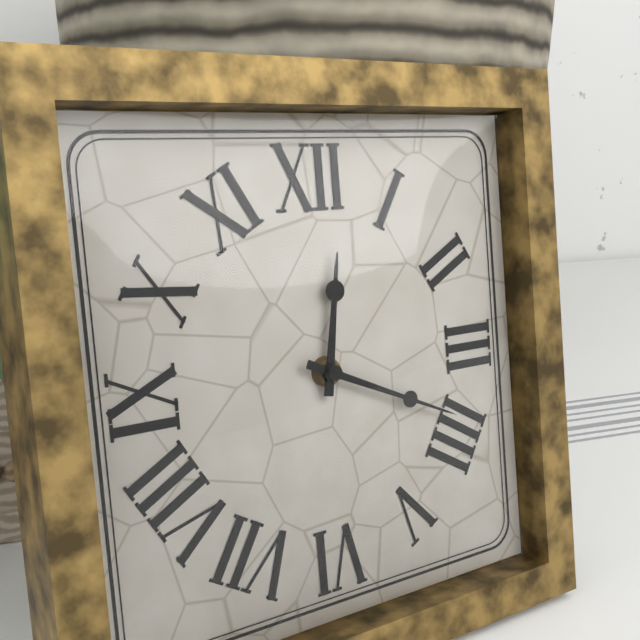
**12:19**
